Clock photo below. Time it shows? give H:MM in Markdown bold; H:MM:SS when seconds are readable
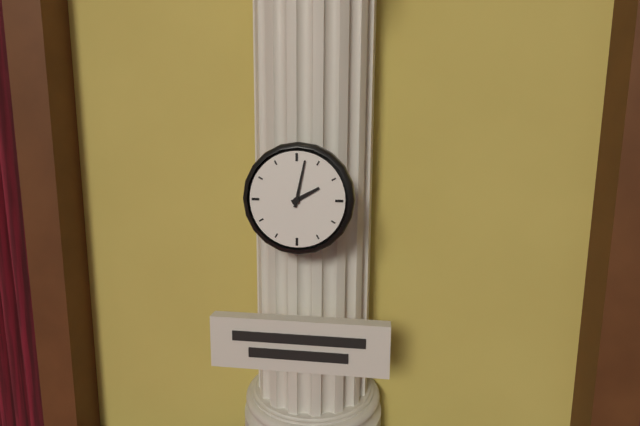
**2:02**
